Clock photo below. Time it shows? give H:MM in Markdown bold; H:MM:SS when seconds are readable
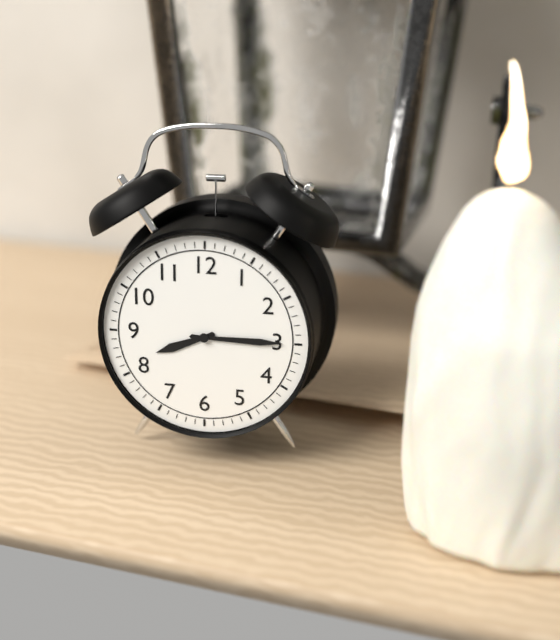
**8:15**
